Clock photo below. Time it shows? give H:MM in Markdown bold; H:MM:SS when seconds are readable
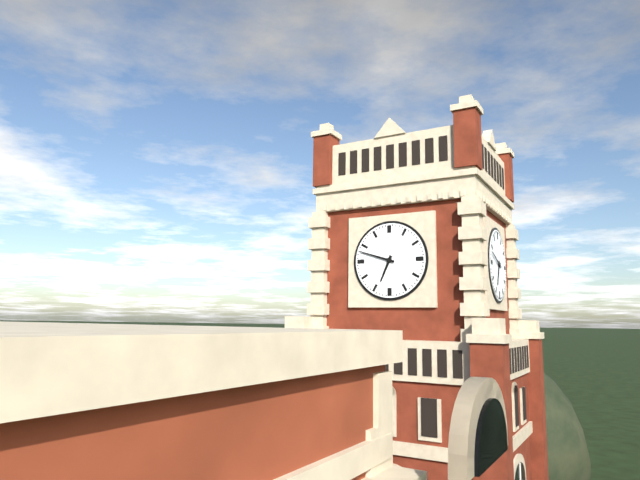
**6:48**
